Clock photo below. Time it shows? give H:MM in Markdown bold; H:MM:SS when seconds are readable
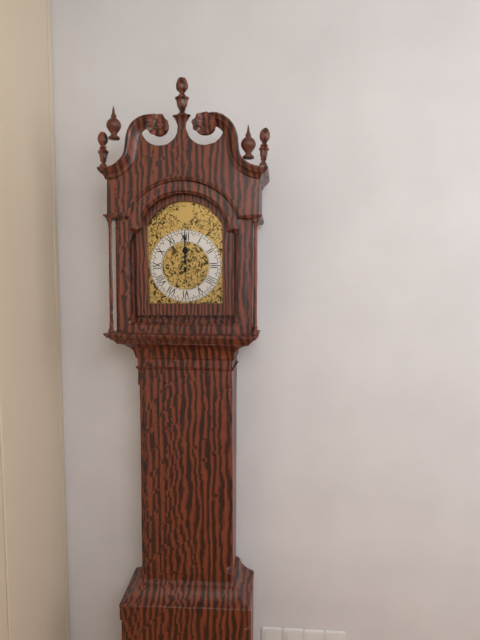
**12:00**
